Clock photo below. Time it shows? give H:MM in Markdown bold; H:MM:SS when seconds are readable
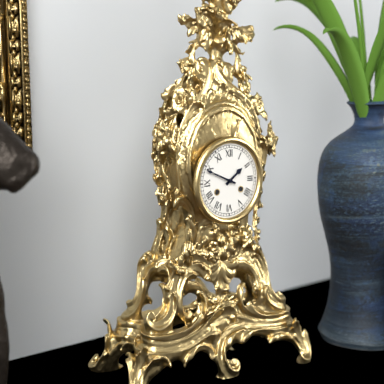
**1:49**
